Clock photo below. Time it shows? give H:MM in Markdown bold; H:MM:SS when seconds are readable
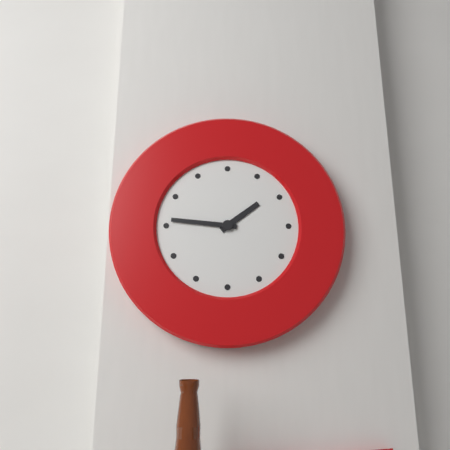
**1:46**
